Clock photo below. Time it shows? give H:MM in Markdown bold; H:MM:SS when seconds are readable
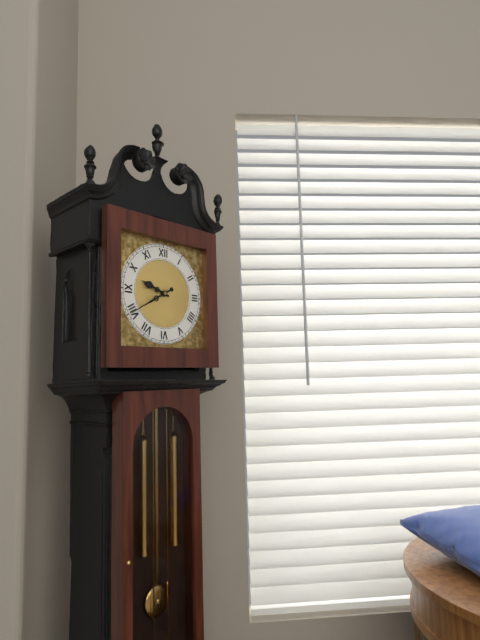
**9:40**
